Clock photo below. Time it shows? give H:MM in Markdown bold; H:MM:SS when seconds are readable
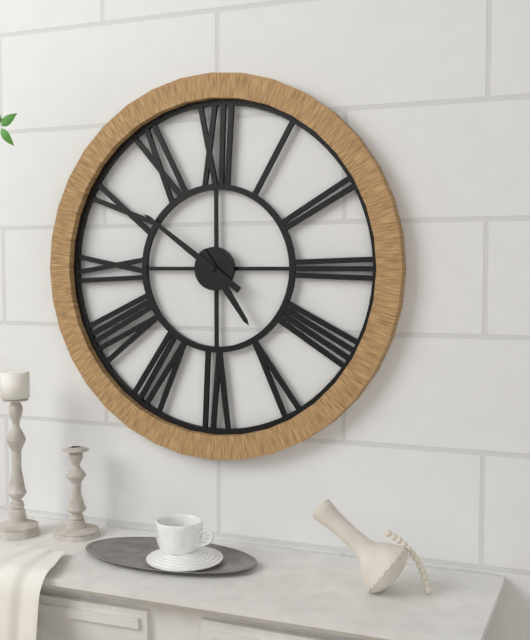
**4:51**
